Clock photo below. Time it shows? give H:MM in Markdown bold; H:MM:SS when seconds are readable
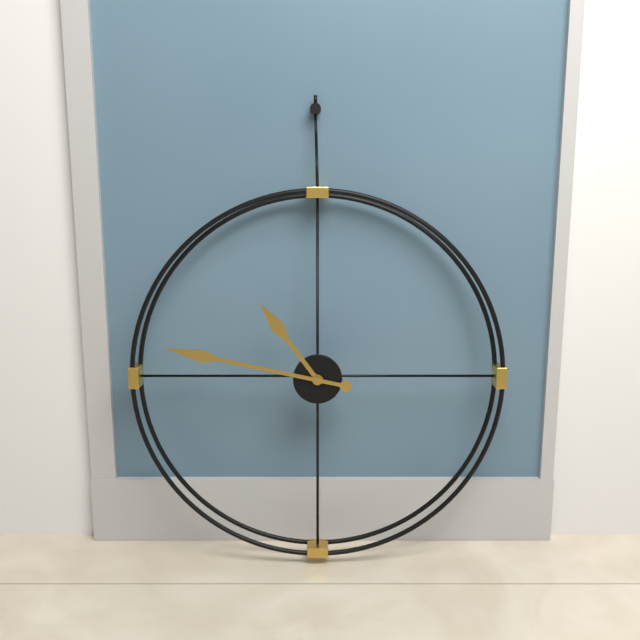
**10:47**
